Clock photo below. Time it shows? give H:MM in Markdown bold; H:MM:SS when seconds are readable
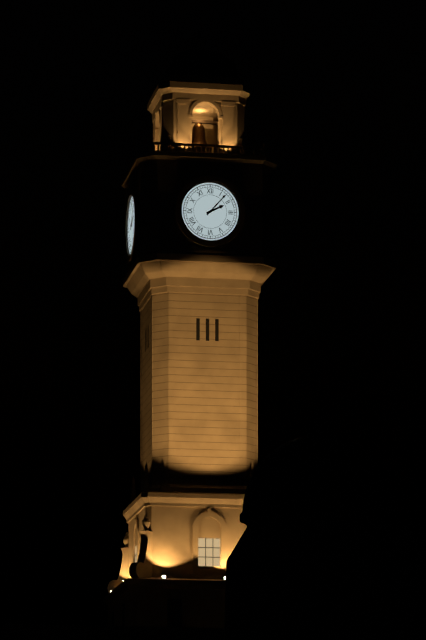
**2:07**
